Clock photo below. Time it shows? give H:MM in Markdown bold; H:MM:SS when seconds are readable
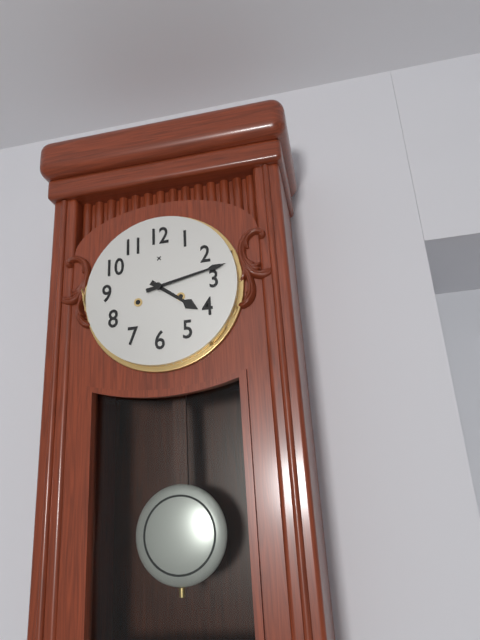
**4:13**
